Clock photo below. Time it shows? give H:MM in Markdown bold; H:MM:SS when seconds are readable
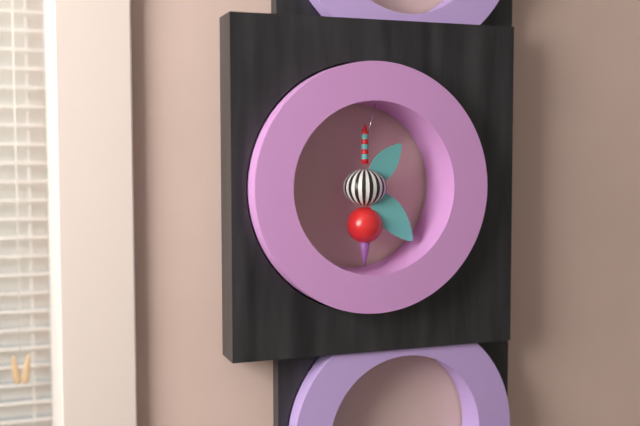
**1:23**
